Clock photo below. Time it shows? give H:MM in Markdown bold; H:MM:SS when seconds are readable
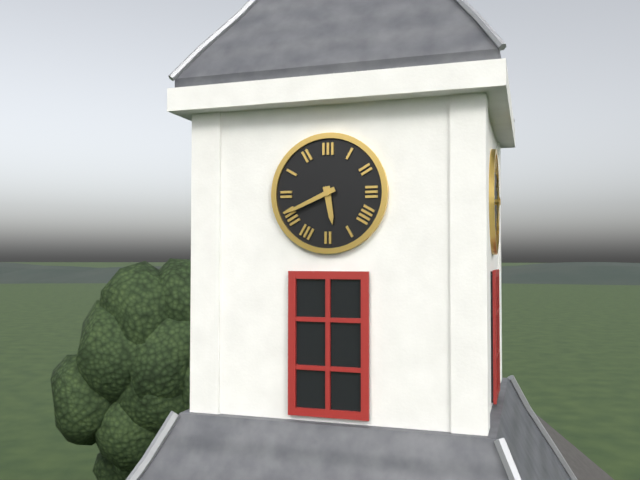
**5:41**
